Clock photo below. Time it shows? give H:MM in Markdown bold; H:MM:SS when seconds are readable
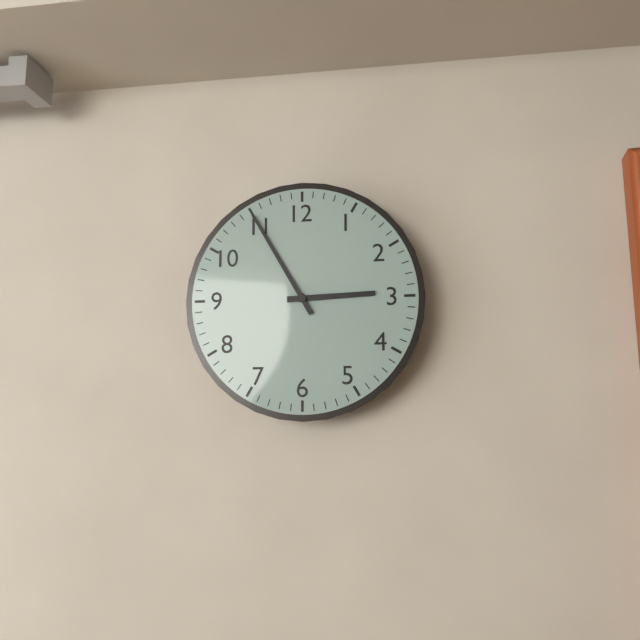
**2:55**
